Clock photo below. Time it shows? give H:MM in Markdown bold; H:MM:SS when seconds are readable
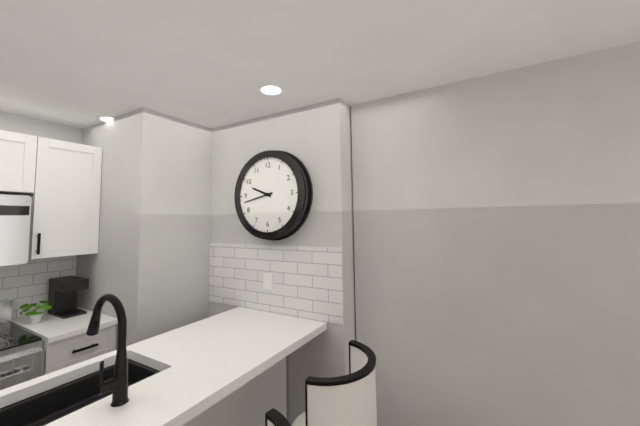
**9:43**
